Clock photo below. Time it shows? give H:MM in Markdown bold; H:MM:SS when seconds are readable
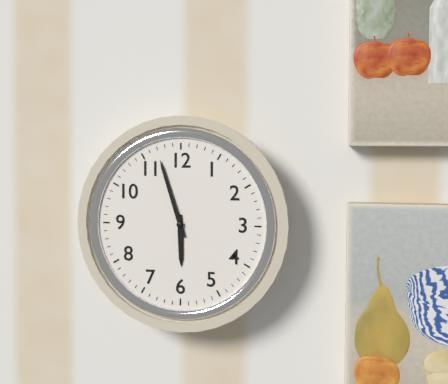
**5:57**
